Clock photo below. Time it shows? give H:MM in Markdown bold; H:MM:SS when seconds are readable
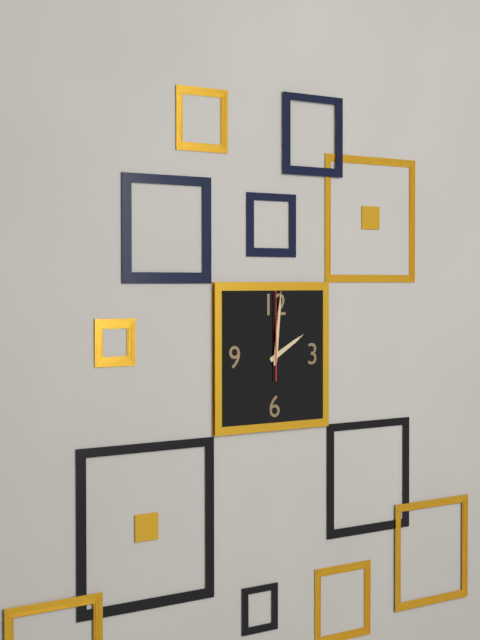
**2:01:00**
